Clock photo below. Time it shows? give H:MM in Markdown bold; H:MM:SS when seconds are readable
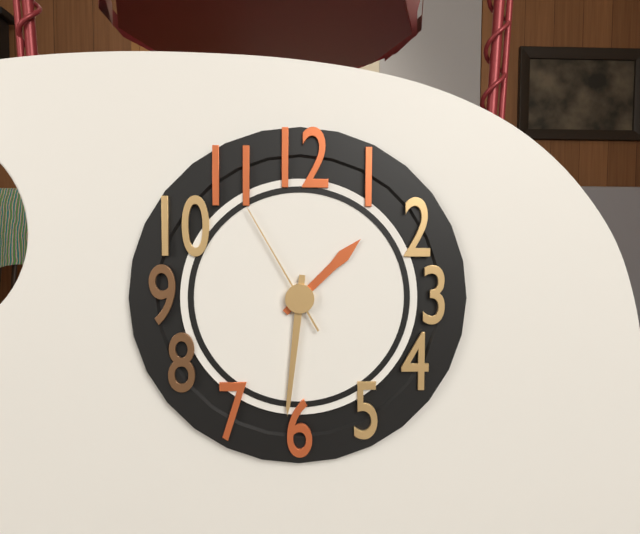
**1:31:55**
